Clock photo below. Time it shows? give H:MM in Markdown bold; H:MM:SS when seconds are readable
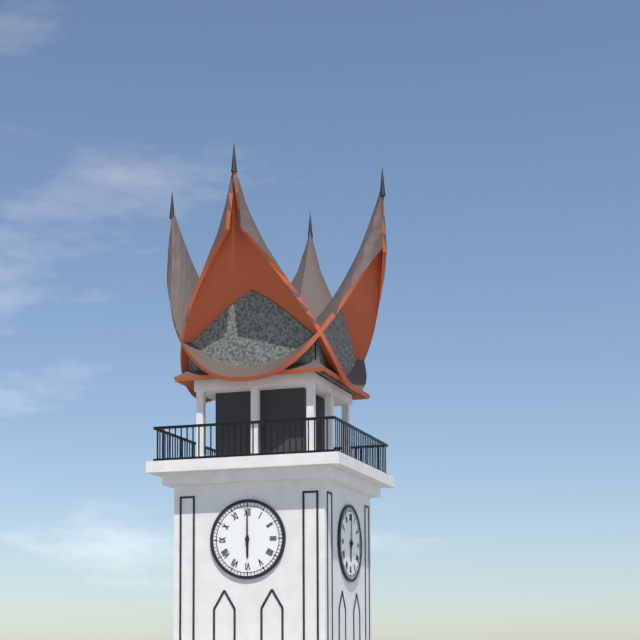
**6:00**
